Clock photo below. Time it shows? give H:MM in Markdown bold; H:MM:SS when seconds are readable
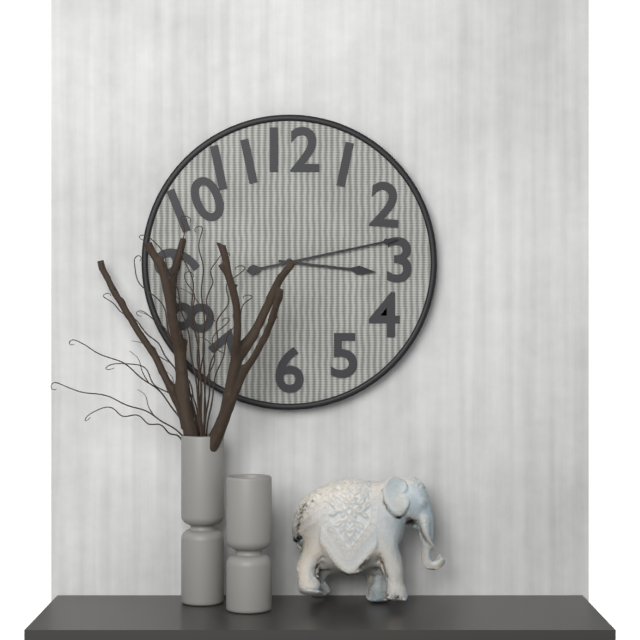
**3:13**
